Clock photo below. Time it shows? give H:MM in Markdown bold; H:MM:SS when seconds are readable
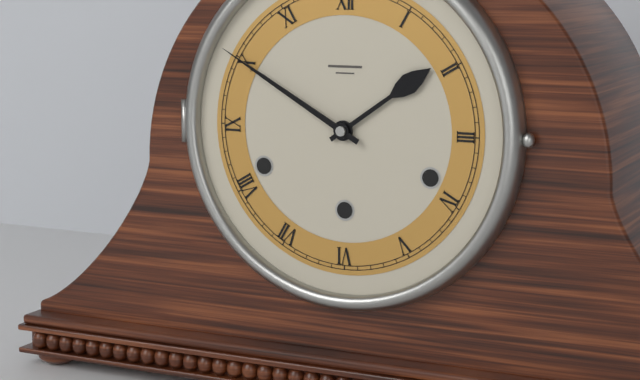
**1:50**
